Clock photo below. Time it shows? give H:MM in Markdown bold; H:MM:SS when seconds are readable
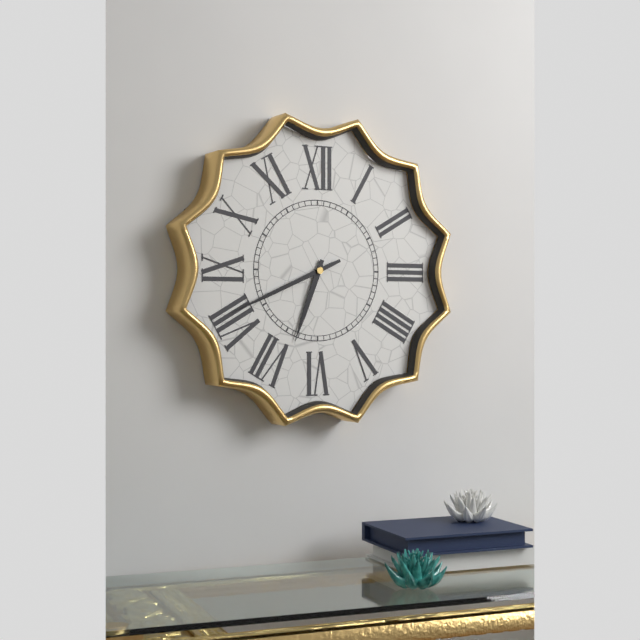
**6:41**
